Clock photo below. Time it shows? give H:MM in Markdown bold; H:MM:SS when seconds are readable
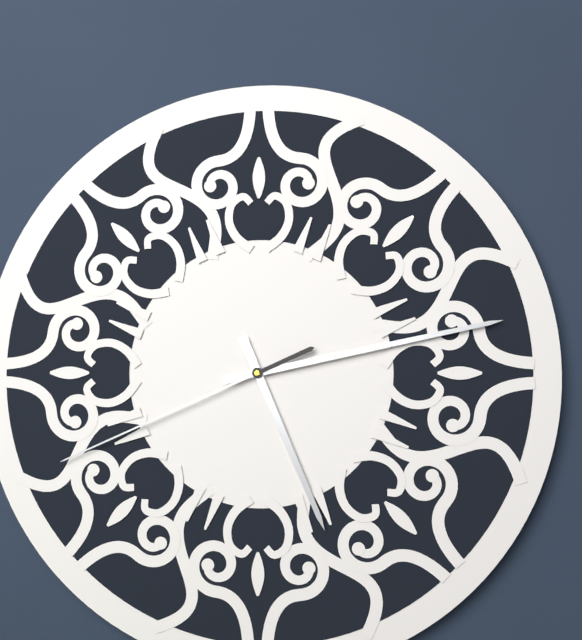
**5:13:41**
